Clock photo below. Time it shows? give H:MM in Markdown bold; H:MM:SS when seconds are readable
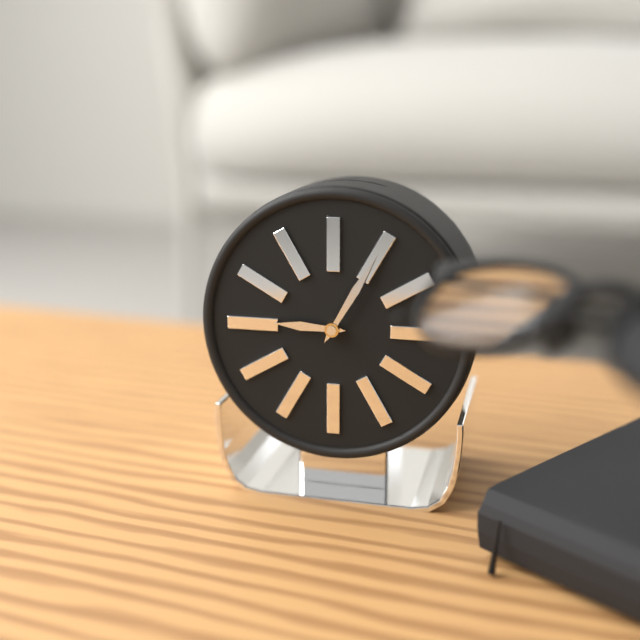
**9:05**
